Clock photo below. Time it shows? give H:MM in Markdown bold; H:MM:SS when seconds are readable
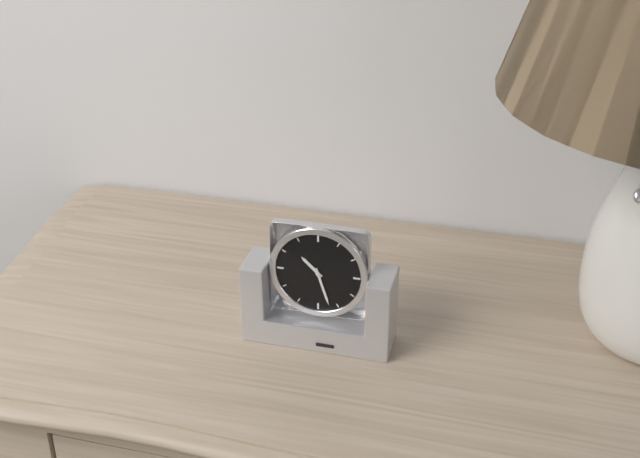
**10:27**
